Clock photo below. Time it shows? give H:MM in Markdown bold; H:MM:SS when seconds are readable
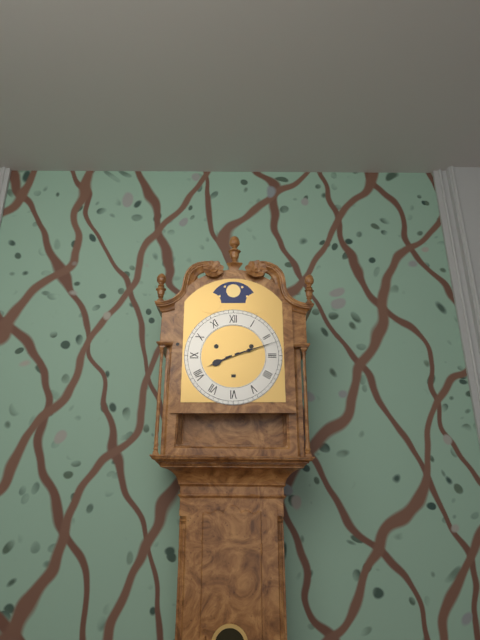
**8:12**
